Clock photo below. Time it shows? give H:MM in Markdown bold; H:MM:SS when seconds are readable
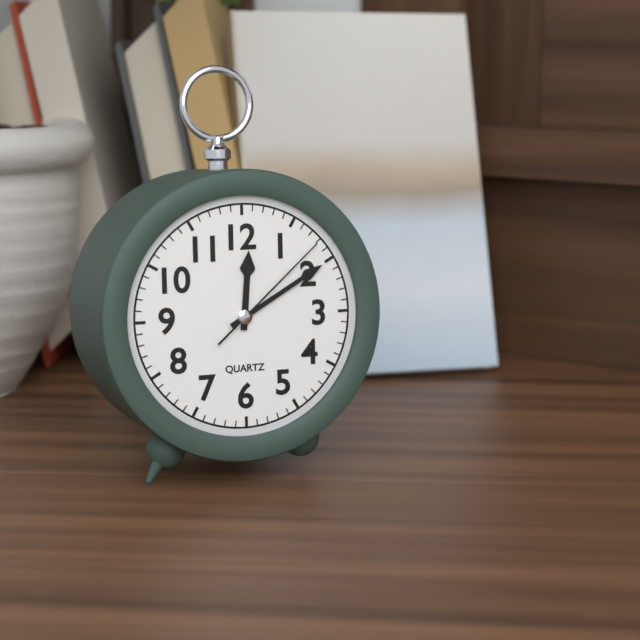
**12:10:08**
